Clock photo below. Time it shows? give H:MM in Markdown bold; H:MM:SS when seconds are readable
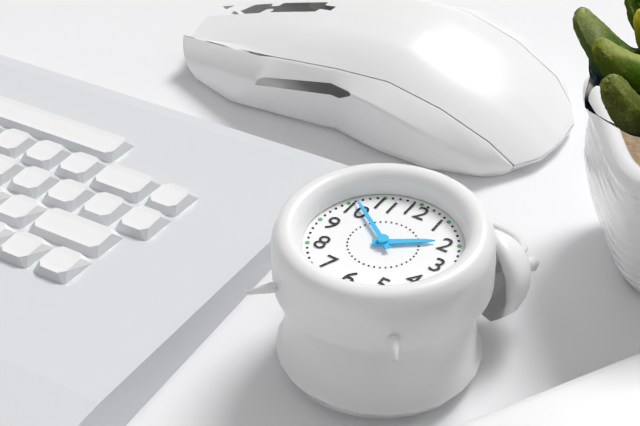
**1:51**
